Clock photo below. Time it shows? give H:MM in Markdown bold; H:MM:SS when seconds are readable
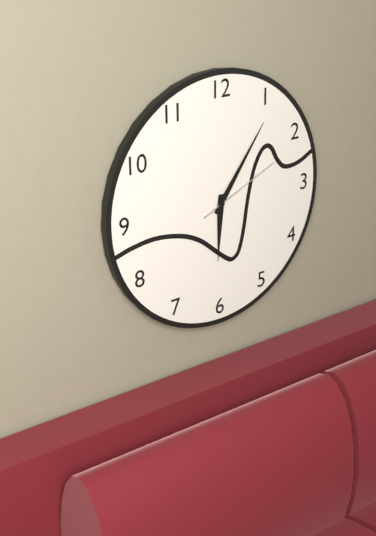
**6:06:11**
